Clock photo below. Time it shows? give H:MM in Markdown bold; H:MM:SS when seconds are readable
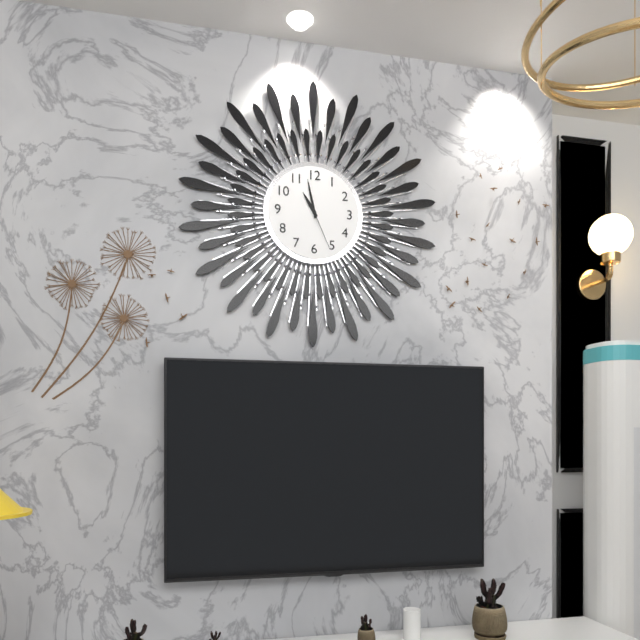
**10:58**
